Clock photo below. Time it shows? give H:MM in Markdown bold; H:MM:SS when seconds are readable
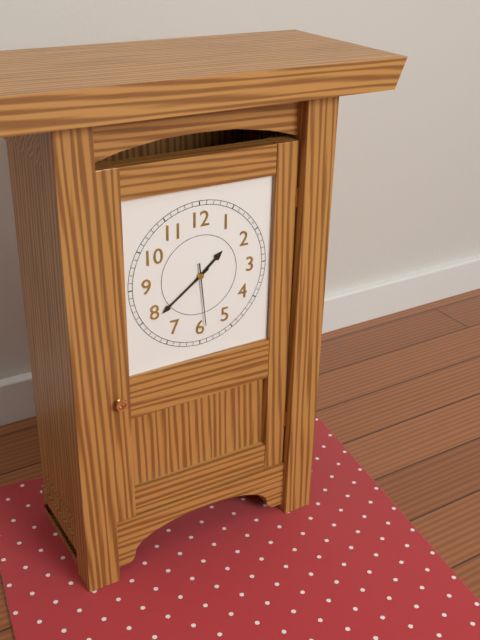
**1:39:29**
